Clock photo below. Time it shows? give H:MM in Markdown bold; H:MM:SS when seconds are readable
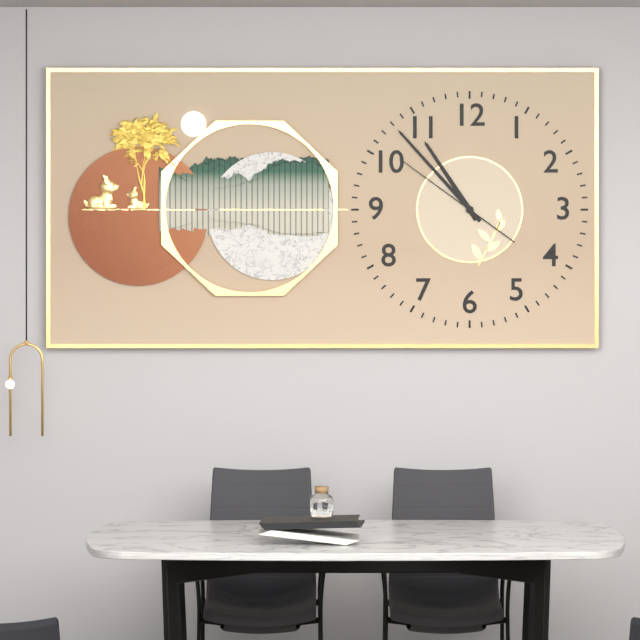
**10:53:51**
